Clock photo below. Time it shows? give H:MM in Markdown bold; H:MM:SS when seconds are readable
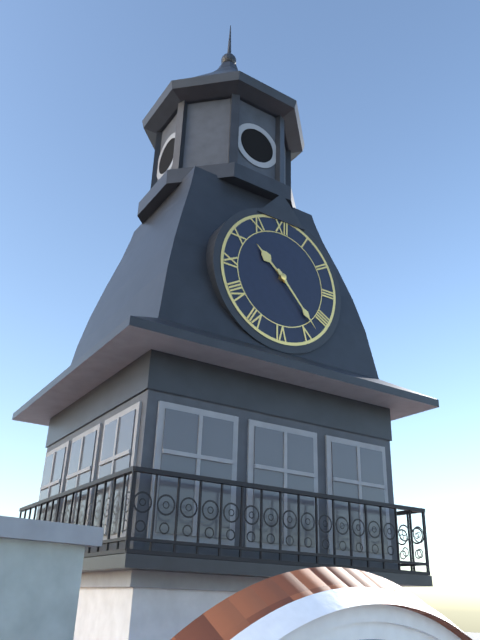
**10:23**
